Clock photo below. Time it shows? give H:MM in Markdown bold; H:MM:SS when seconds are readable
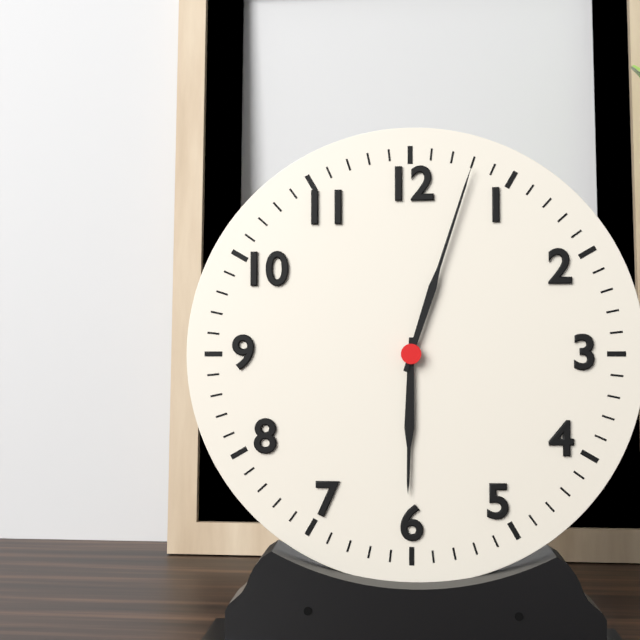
**6:03**
